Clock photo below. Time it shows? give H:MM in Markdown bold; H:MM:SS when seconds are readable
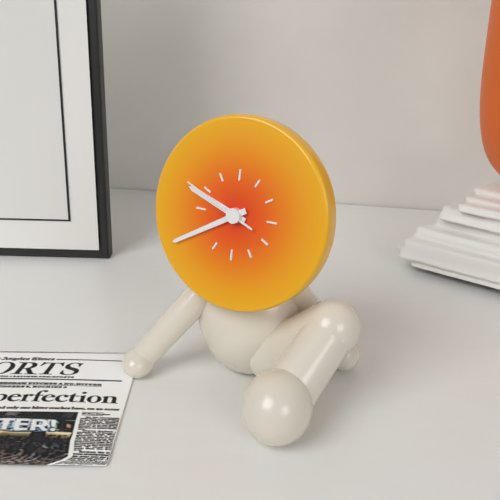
**9:40:49**
